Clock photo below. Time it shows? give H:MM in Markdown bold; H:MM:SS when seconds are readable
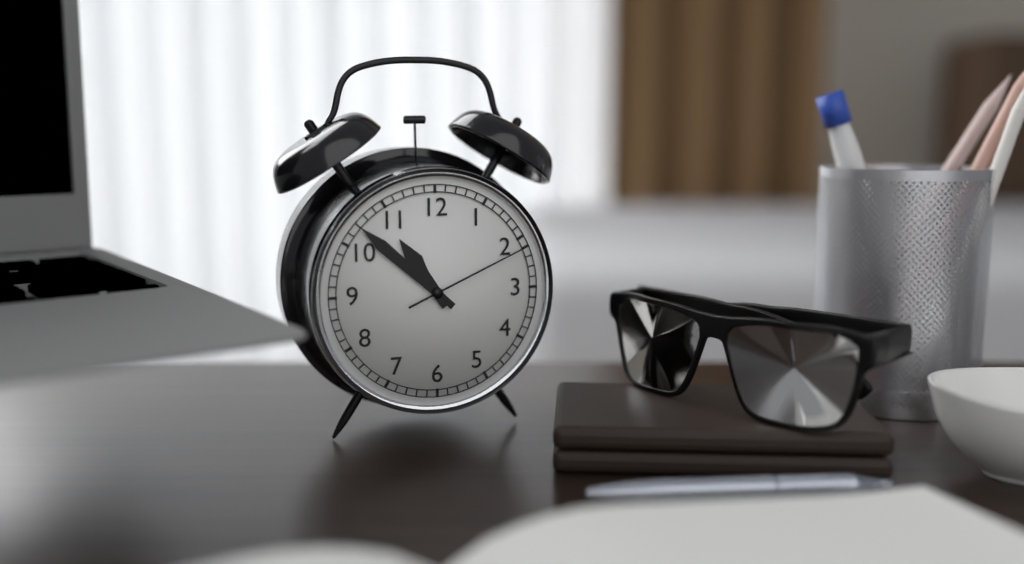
**10:52:11**
